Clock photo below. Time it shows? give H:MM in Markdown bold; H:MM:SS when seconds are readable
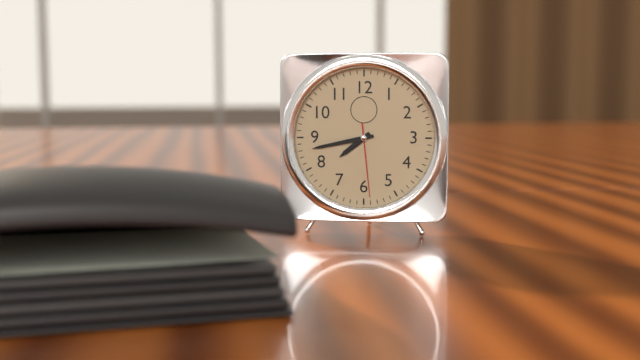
**7:43:29**
